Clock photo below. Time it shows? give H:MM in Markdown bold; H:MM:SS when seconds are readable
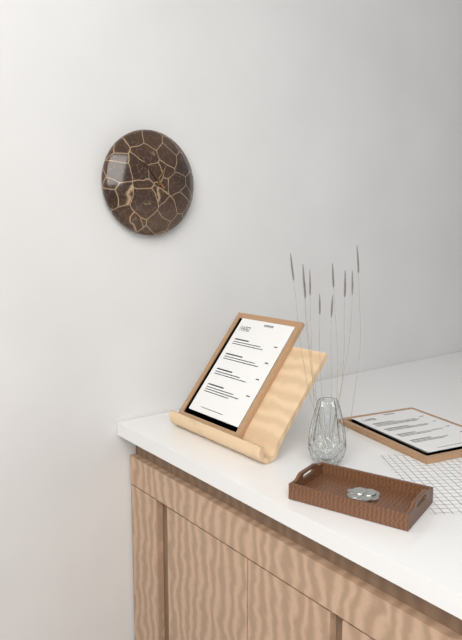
**12:53**
